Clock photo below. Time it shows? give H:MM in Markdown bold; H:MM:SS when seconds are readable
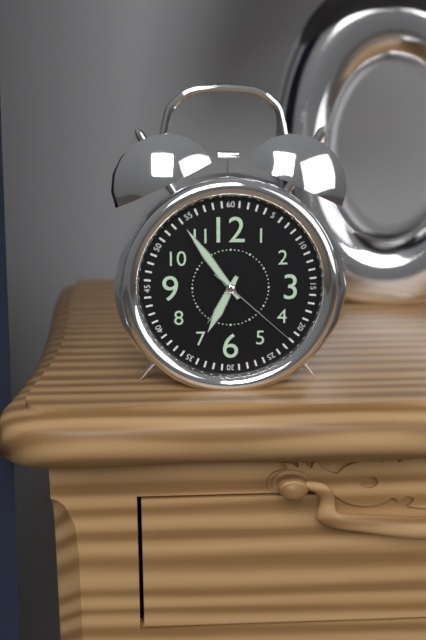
**6:54:22**
